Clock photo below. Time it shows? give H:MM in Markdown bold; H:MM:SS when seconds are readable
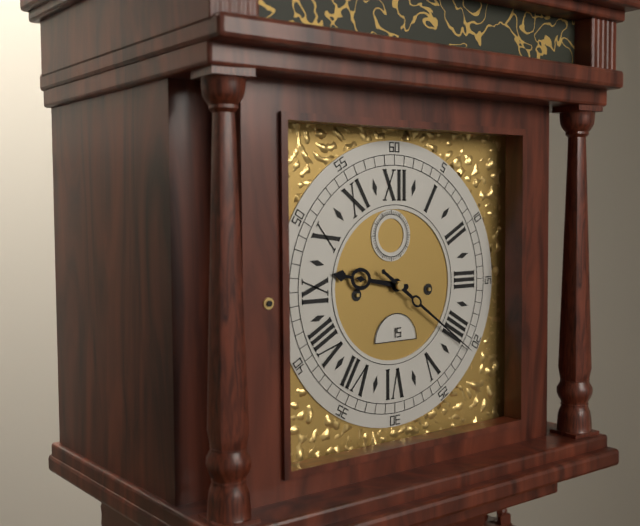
**9:21**
